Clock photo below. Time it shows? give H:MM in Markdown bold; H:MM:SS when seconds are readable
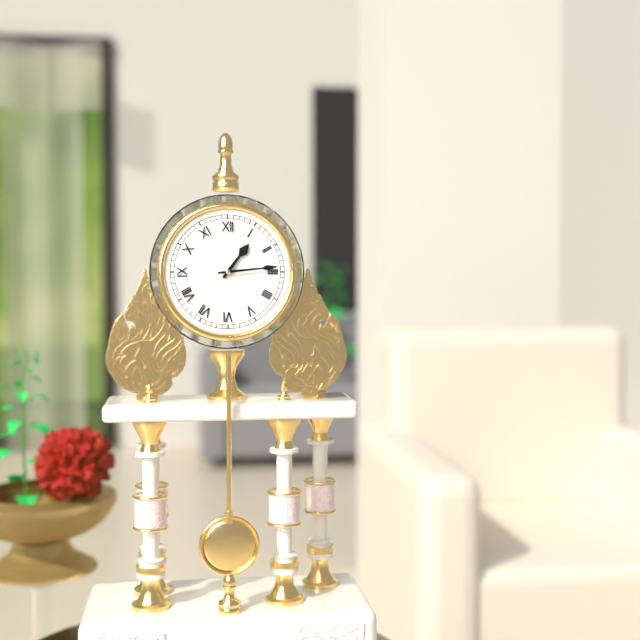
**1:14**
